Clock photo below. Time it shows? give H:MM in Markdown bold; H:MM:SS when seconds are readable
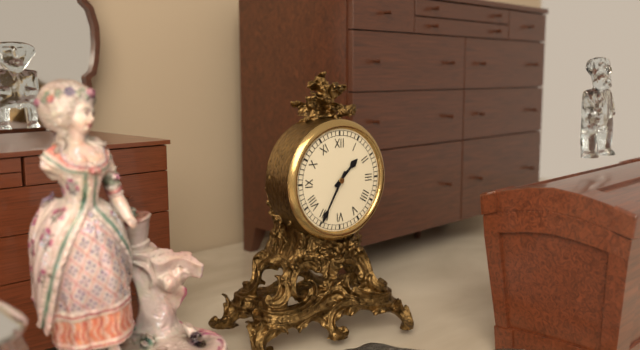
**1:35**
